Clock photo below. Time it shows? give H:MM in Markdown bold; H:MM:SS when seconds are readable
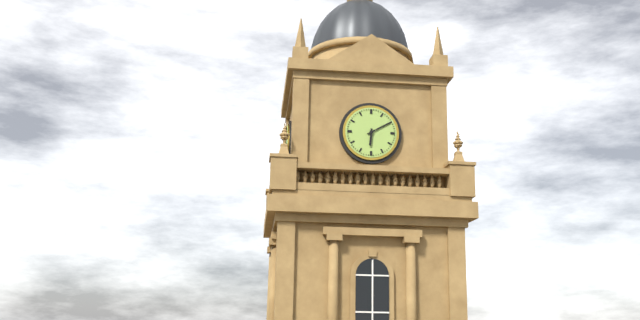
**6:10**
